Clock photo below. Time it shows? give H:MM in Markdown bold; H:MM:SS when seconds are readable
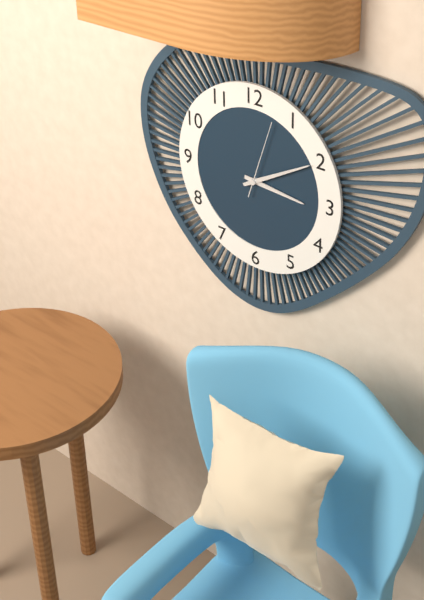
**3:10:03**
